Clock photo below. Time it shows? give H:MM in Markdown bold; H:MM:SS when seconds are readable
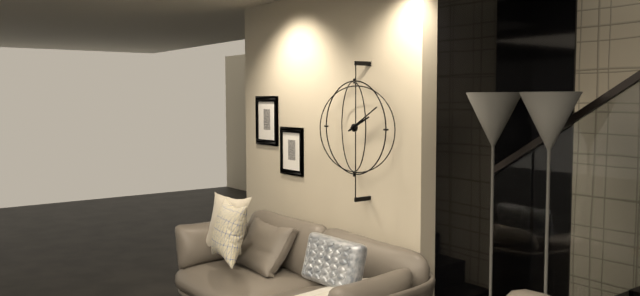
**2:10**
